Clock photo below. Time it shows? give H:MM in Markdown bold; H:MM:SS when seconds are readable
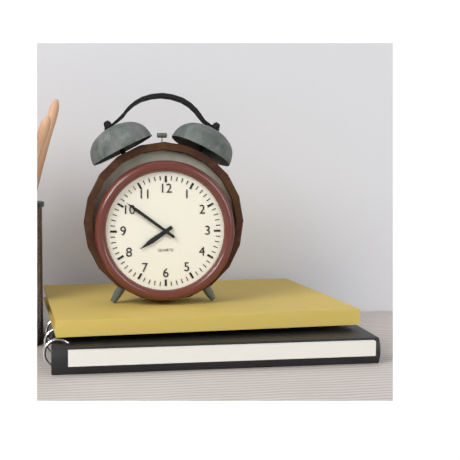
**7:51**
